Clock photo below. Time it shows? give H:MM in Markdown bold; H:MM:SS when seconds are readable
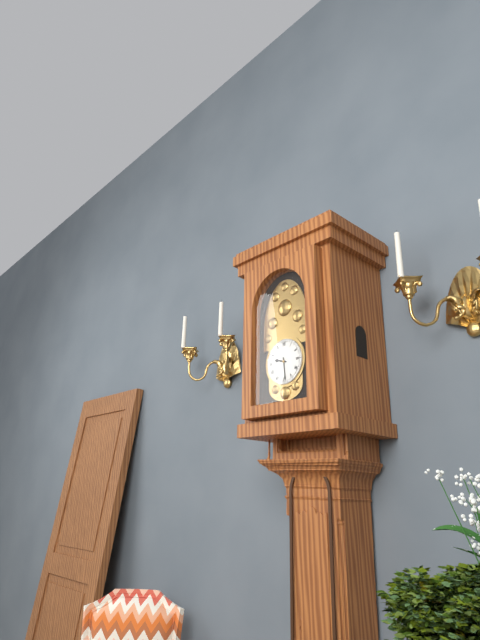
**9:29**
